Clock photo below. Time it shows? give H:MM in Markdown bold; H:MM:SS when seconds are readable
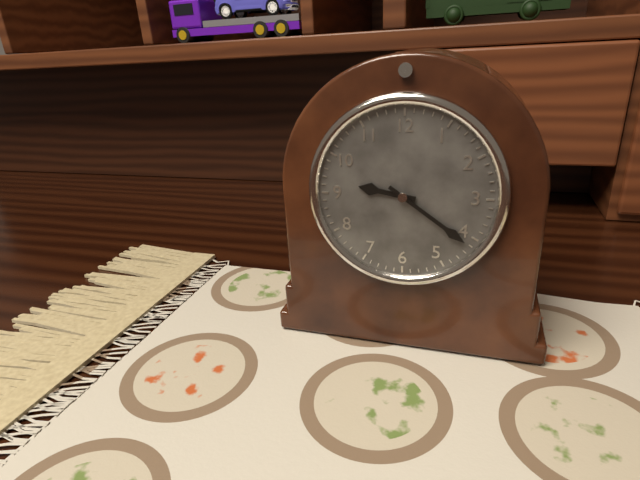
**9:21**
